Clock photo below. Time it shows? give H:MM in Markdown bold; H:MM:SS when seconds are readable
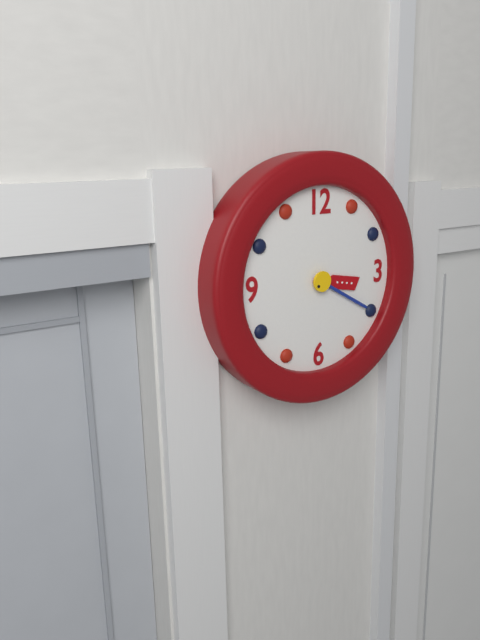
**3:20**
